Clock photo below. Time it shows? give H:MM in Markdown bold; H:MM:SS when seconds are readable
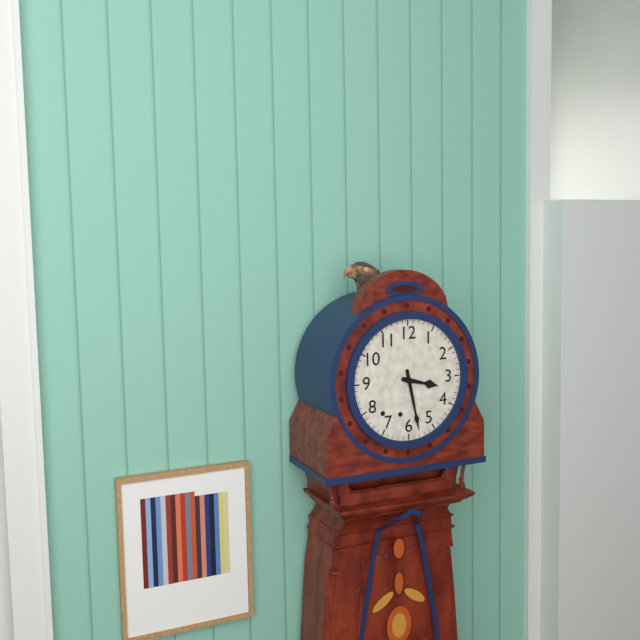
**3:28**
